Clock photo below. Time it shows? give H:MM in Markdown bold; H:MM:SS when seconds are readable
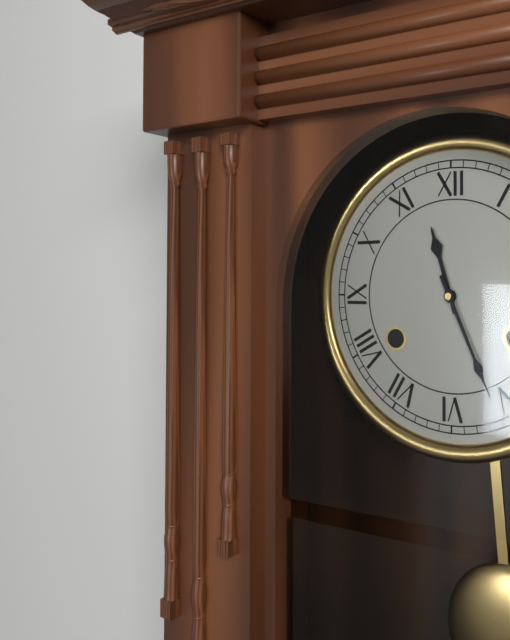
**11:26**
